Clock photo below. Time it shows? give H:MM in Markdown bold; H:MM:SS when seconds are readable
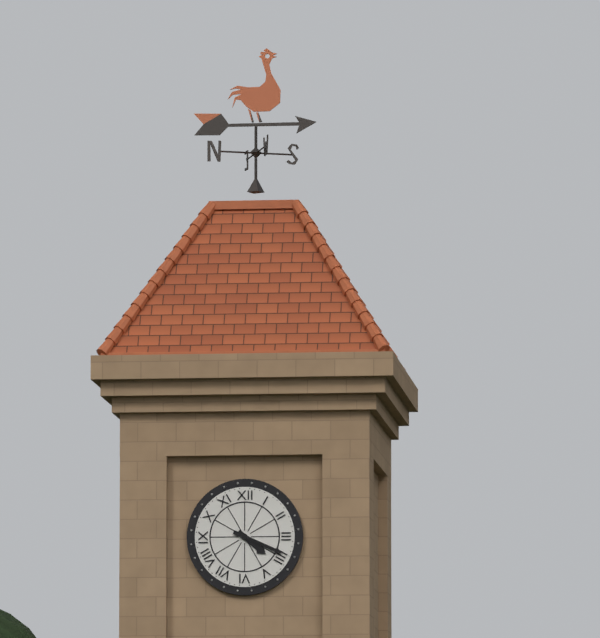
**4:19**
